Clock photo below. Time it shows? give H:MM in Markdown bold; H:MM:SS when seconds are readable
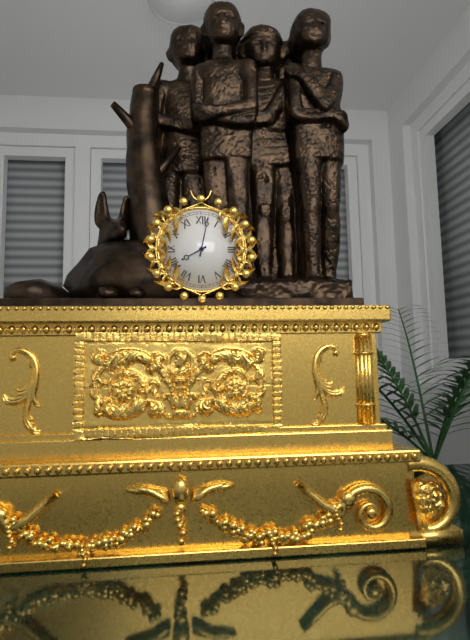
**8:02**
